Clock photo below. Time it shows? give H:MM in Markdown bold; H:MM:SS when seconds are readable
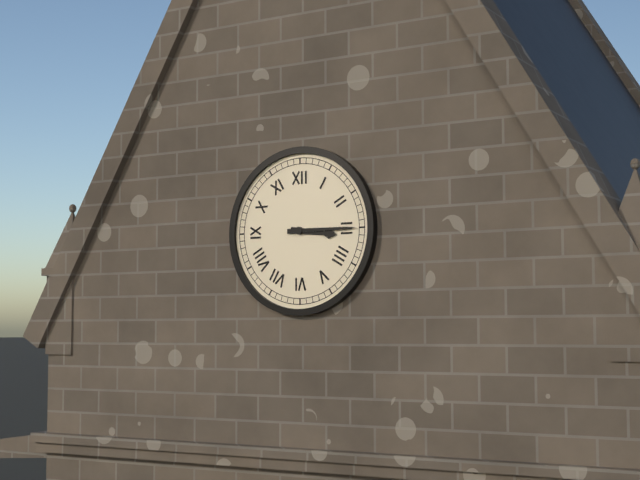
**3:15**
